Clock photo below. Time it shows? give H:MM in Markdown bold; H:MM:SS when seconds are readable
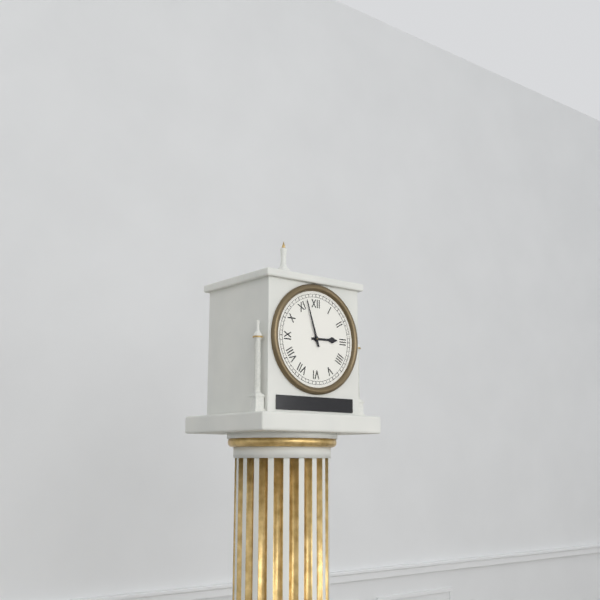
**2:57**
